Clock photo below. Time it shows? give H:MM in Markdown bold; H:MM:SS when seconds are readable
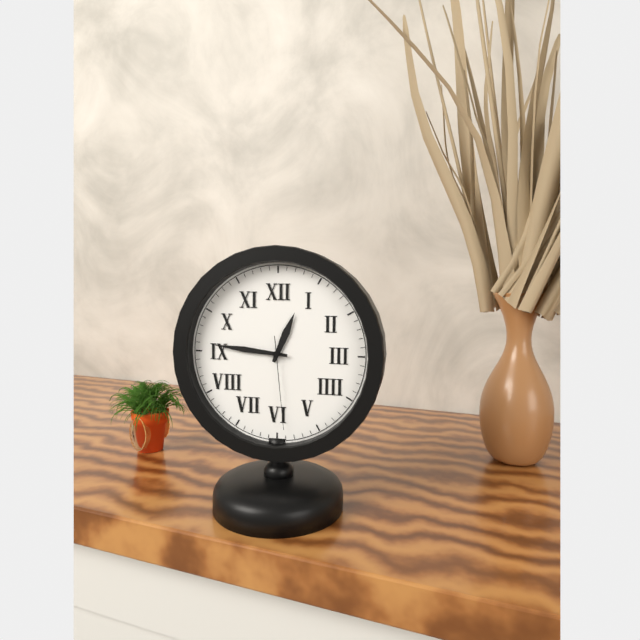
**12:46:29**
